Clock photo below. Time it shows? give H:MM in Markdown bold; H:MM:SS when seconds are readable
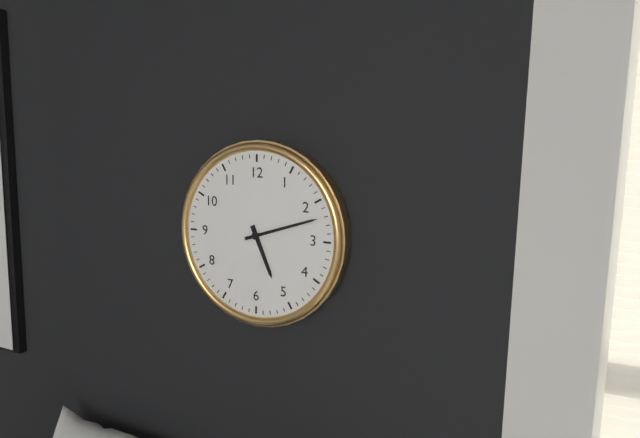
**5:12**
